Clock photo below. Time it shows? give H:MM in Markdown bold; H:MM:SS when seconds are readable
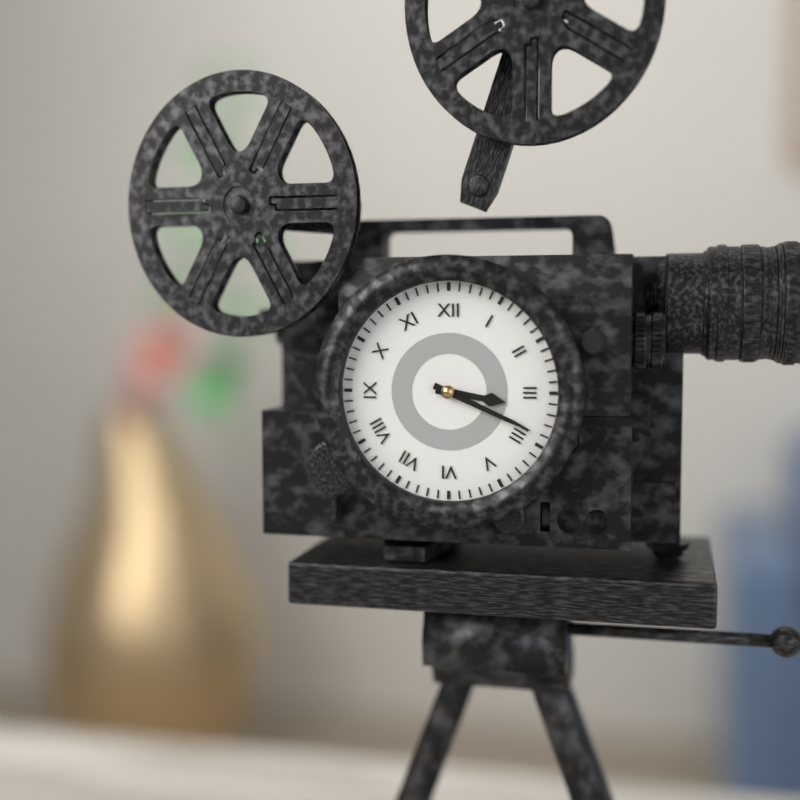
**3:19**
